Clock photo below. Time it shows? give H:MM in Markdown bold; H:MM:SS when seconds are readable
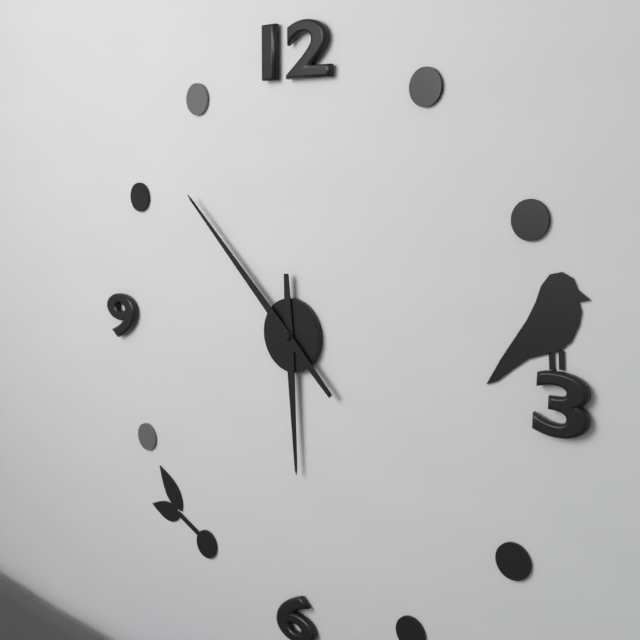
**5:52**
